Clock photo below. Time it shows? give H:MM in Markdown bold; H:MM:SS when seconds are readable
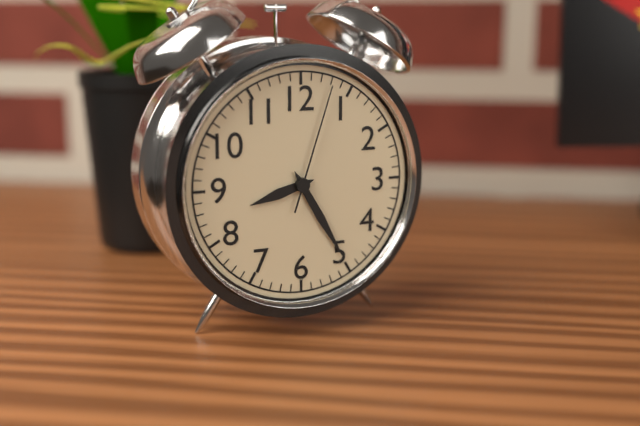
**8:25:03**
